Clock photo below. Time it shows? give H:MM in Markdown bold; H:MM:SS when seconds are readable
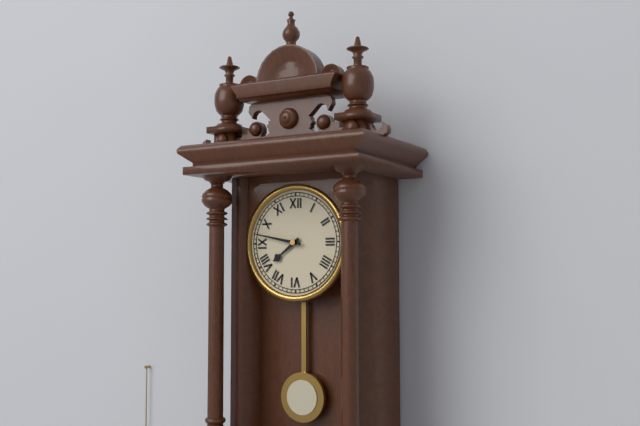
**7:47**
